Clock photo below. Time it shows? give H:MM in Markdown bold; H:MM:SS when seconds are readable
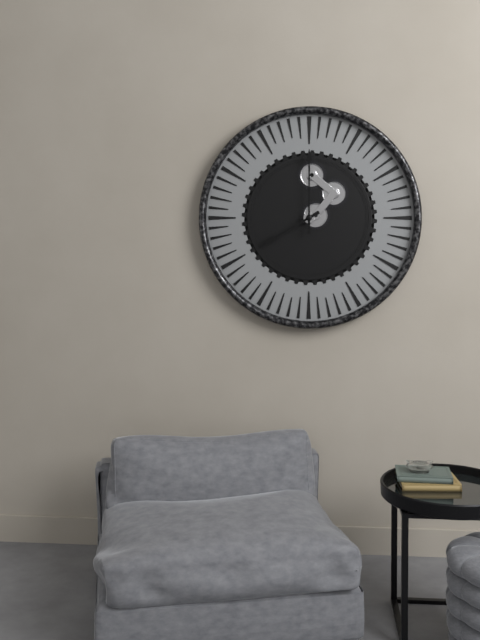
**8:00**
